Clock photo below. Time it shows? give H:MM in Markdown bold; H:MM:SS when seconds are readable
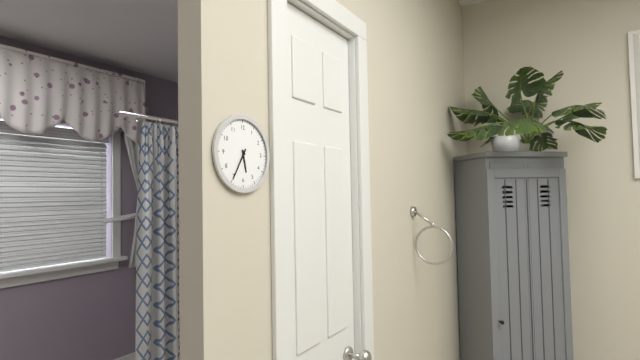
**5:35**
